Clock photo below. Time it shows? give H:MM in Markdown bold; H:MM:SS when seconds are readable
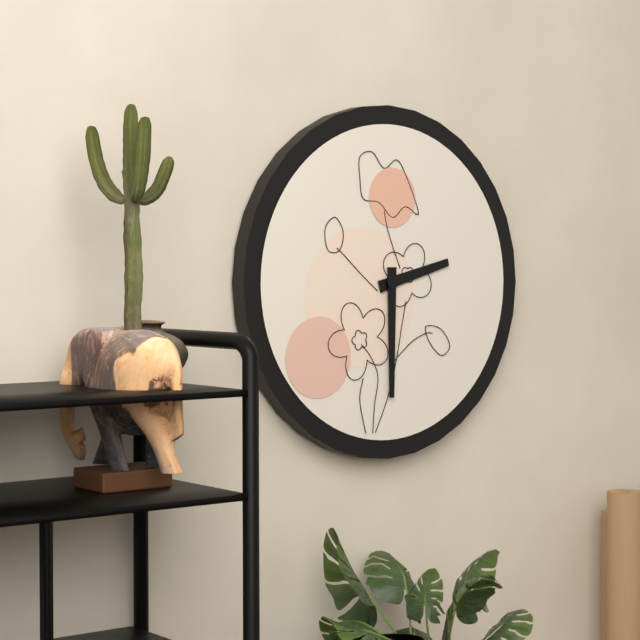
**2:30**
